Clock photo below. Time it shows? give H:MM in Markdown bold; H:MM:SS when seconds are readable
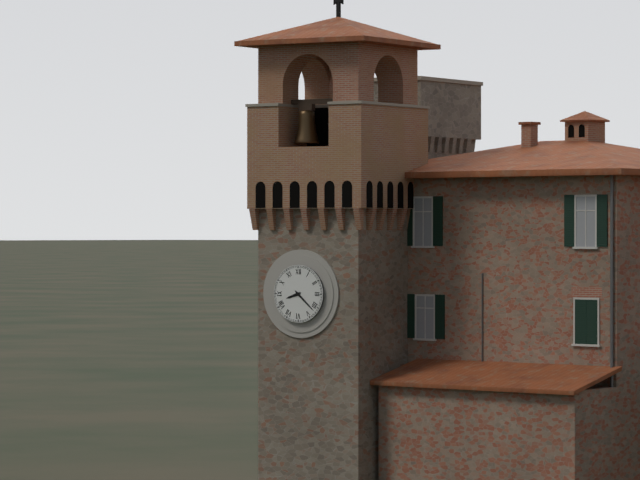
**8:22**
